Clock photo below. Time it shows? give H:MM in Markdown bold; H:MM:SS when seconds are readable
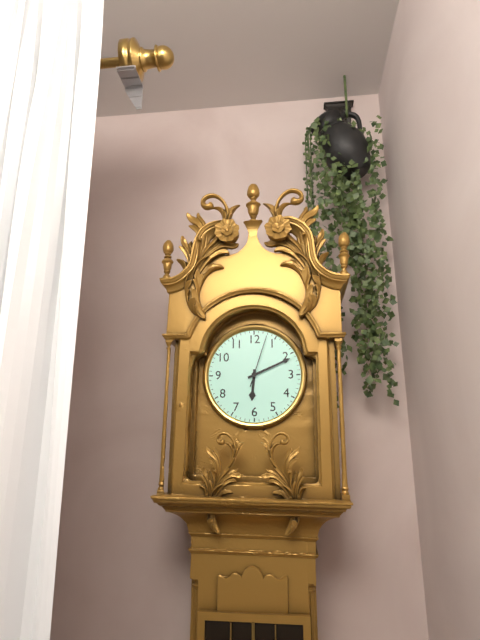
**6:11:03**
